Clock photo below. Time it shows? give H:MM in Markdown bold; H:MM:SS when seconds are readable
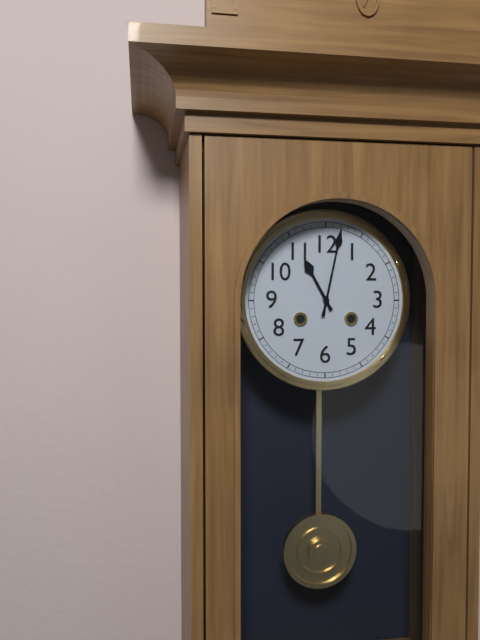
**11:02**
